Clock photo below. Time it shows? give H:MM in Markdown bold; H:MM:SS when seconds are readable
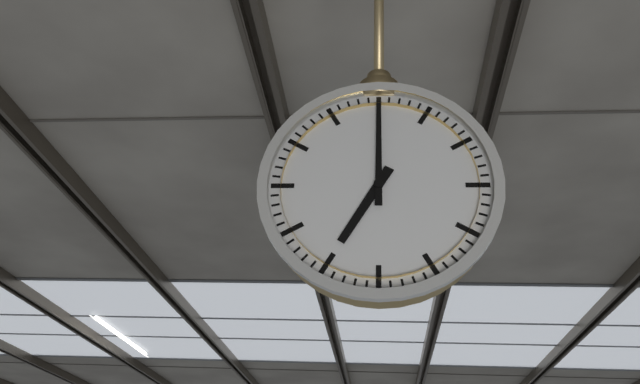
**7:00**
